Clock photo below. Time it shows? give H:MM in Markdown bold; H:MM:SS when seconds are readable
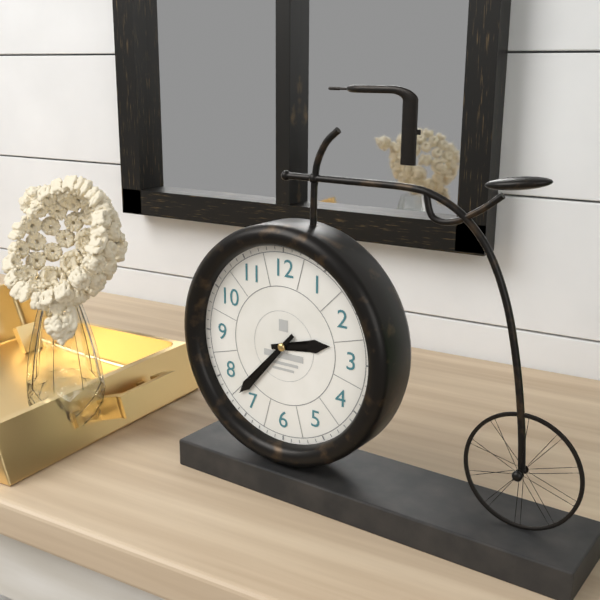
**2:37**
